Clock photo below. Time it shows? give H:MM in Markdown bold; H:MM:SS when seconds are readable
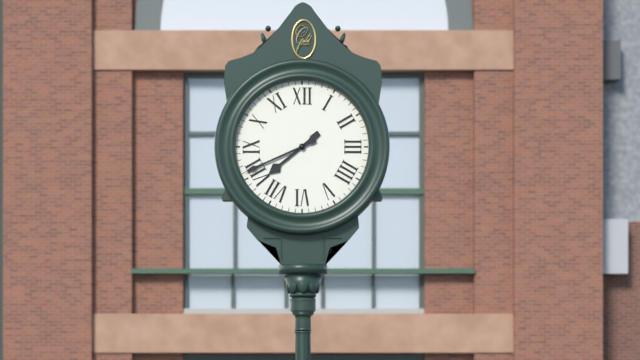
**7:41**
